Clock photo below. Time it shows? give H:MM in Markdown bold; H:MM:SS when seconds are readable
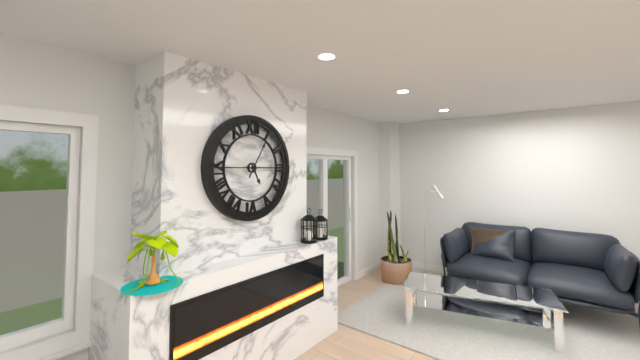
**5:05**
